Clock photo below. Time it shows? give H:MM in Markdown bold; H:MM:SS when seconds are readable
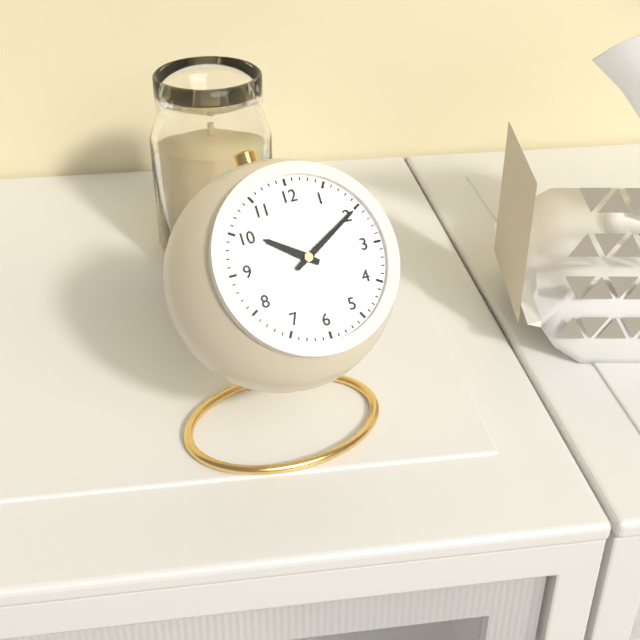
**10:10**
